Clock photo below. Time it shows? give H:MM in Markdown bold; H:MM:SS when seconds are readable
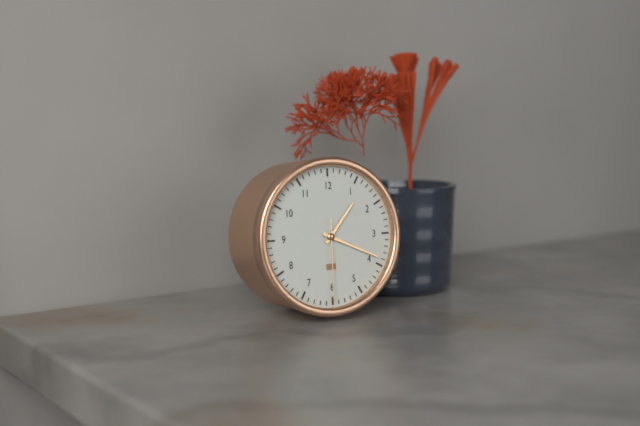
**1:19:30**
